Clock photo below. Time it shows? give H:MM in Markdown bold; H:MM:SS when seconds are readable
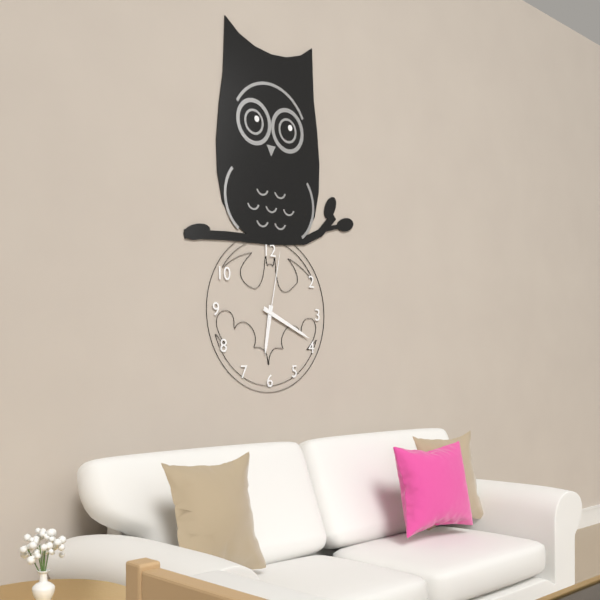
**6:19:02**
